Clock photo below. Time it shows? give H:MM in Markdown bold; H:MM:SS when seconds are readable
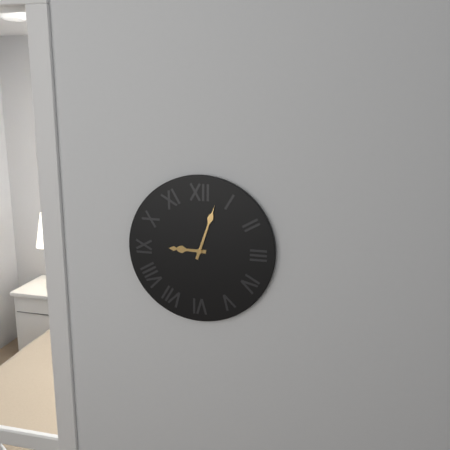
**9:03**
